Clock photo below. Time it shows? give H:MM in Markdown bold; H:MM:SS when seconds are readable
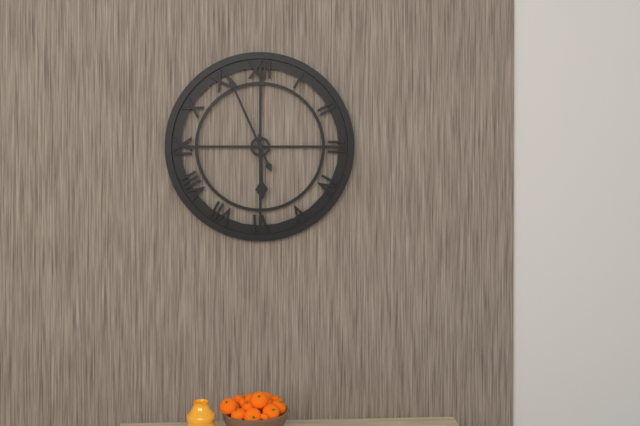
**5:56**
